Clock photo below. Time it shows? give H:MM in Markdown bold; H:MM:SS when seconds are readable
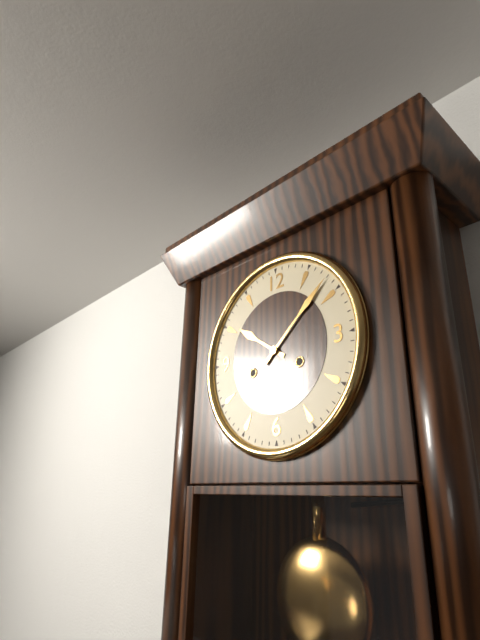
**10:08**
